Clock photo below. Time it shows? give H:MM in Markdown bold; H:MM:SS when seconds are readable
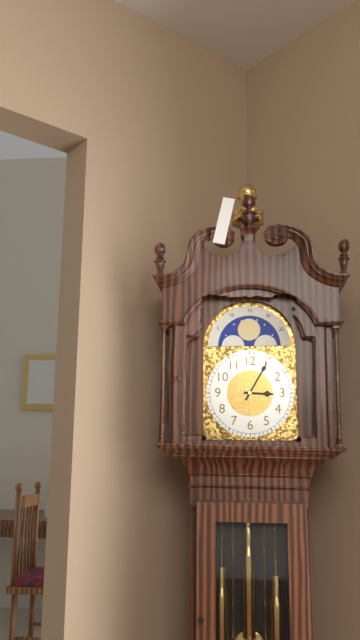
**3:05**
